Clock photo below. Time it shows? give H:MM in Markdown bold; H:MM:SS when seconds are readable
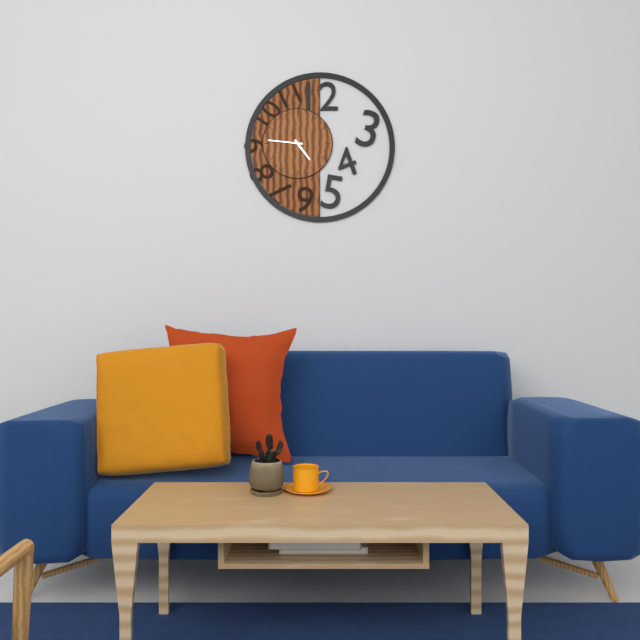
**4:46**
